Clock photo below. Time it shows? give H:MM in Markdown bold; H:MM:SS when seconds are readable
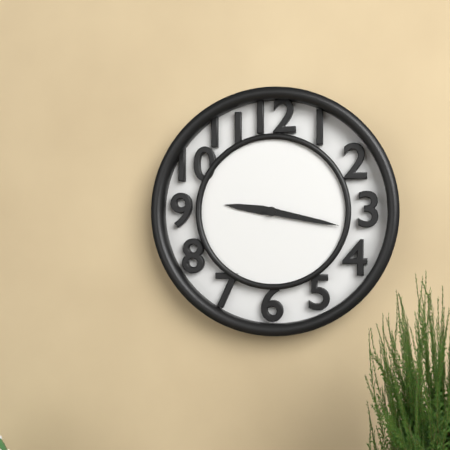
**9:17**
